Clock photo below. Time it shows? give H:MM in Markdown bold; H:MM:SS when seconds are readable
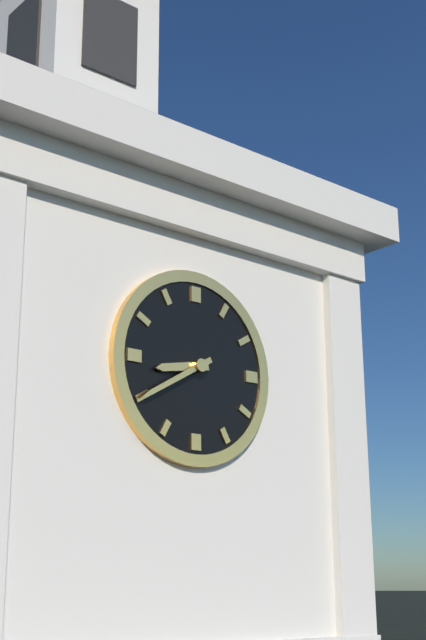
**8:40**
